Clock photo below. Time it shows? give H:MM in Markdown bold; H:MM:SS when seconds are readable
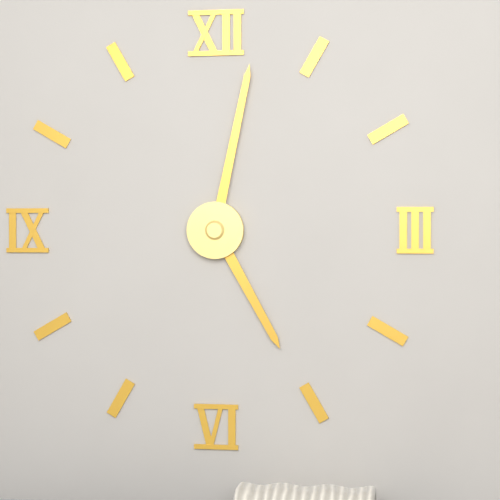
**5:02**
